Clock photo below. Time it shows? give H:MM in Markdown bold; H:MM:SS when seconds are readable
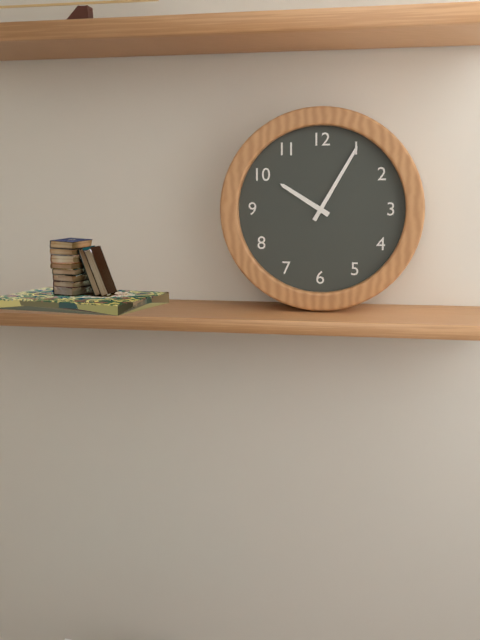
**10:05**
